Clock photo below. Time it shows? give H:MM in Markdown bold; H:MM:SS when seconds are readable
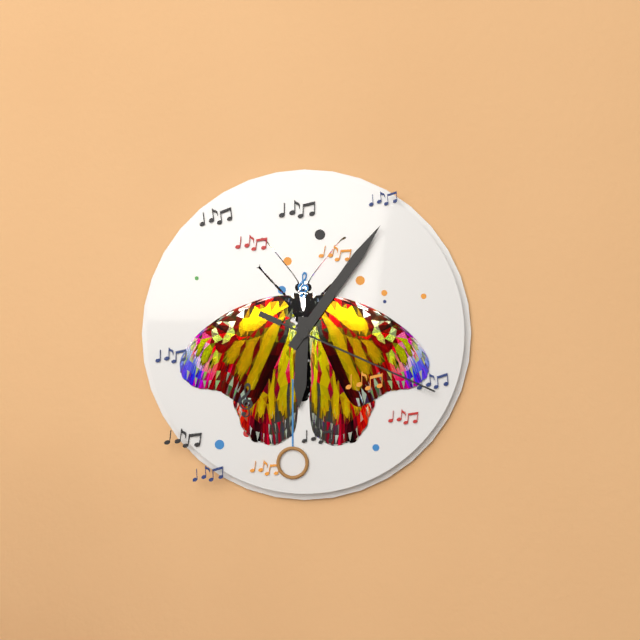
**6:06:19**
